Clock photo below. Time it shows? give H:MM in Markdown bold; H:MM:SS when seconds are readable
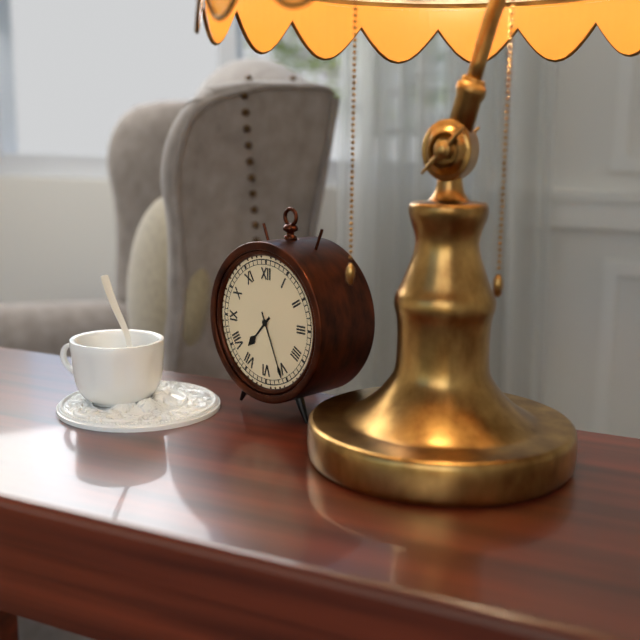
**7:26**
